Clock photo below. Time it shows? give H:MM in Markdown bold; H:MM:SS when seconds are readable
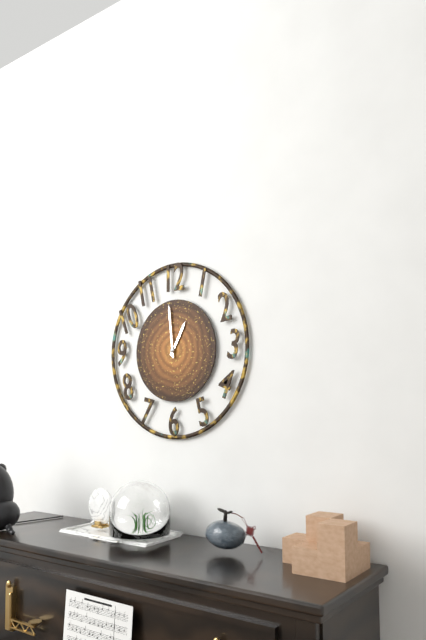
**12:59**
